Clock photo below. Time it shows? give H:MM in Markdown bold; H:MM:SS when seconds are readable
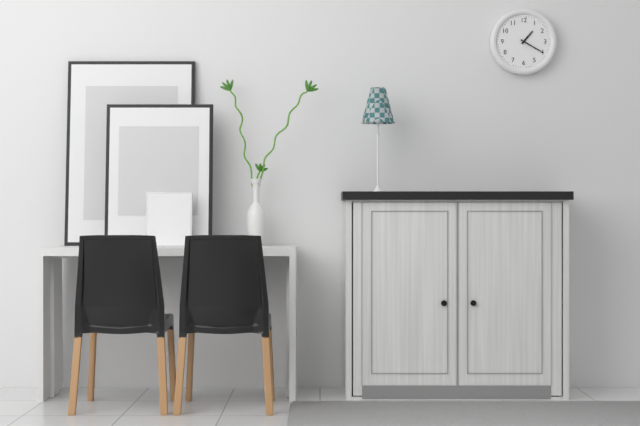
**1:20**
